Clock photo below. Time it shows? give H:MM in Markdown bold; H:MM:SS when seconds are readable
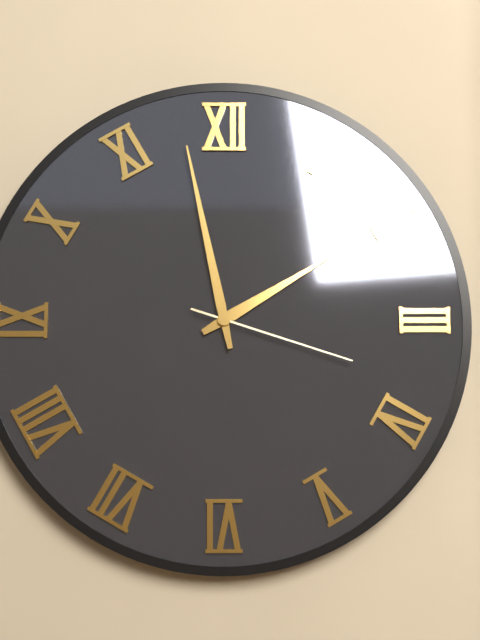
**1:58:18**
